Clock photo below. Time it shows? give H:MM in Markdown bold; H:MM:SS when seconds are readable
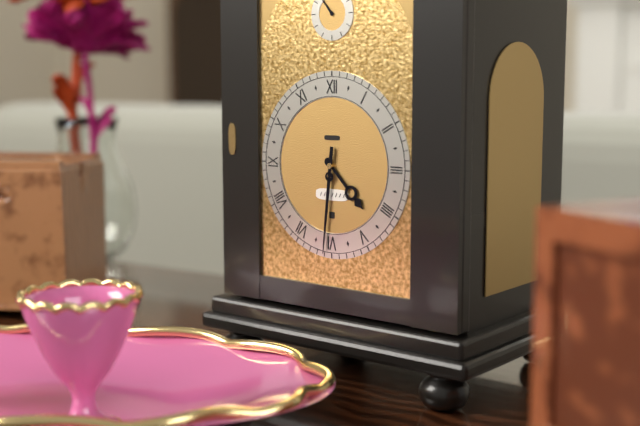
**4:31**
